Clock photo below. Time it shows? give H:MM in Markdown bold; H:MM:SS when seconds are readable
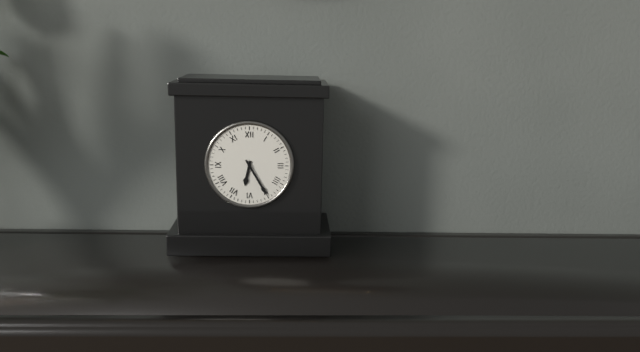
**6:25**
